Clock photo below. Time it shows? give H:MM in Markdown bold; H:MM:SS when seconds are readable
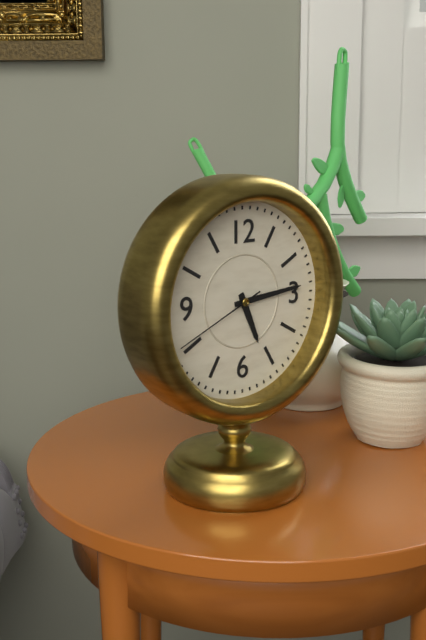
**5:14:41**
